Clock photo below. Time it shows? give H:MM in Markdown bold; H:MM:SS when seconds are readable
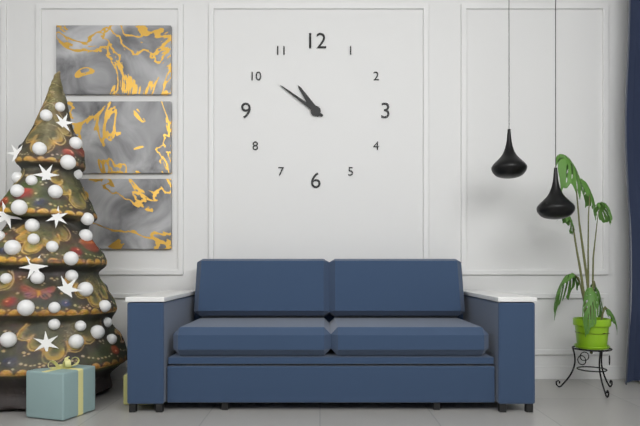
**10:51**
